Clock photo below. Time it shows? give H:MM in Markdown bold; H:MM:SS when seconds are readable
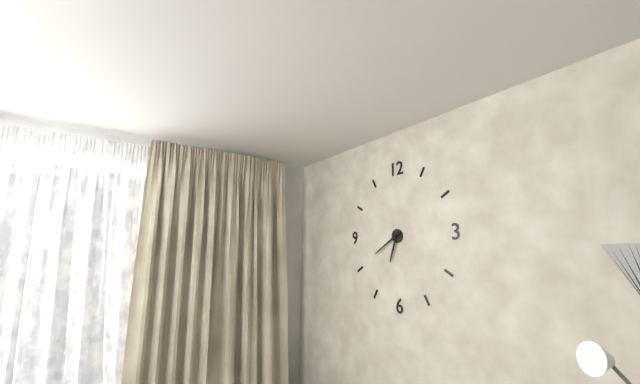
**6:40**
